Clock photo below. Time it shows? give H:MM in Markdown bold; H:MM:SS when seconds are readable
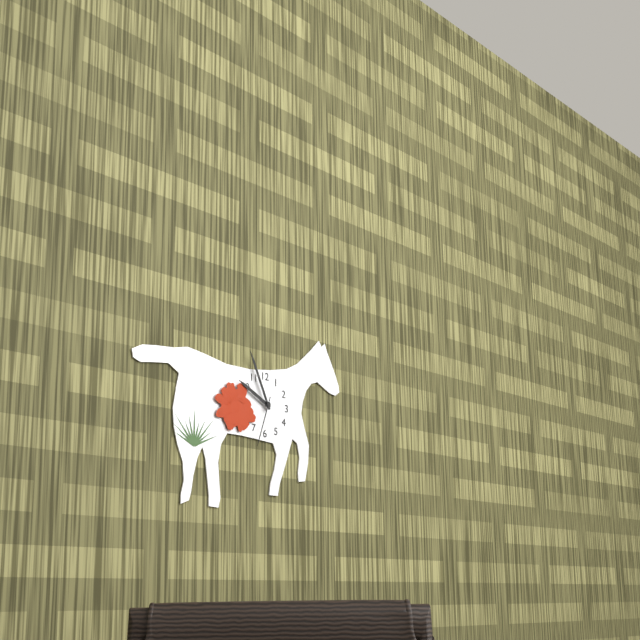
**9:56:33**
